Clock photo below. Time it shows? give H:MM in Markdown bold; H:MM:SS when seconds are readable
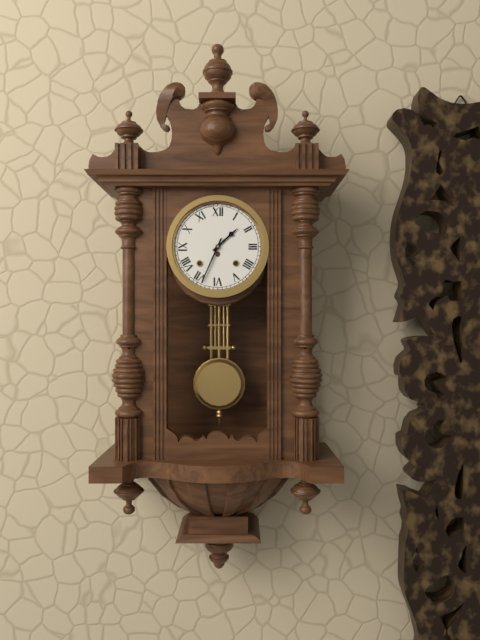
**1:34**
